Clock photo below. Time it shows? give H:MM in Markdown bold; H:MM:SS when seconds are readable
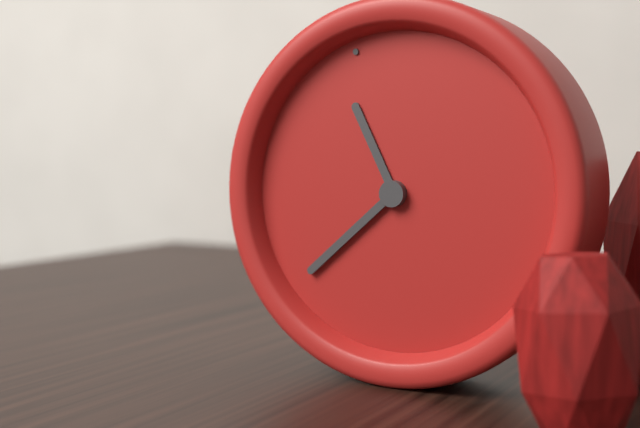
**11:41**
